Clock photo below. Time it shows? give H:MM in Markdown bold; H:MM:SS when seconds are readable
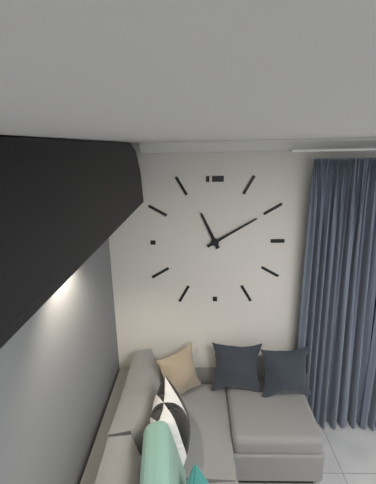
**11:10**
